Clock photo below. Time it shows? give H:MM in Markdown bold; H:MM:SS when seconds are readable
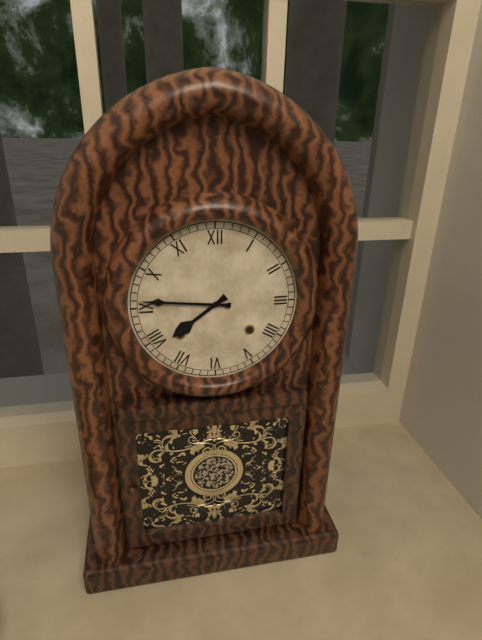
**7:46**
